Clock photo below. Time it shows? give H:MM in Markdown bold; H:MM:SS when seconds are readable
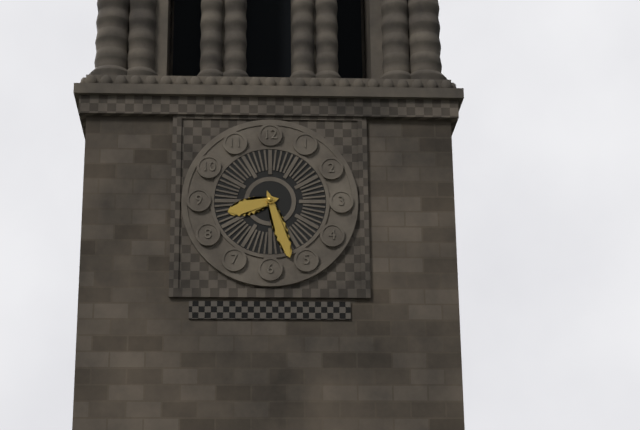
**8:27**
